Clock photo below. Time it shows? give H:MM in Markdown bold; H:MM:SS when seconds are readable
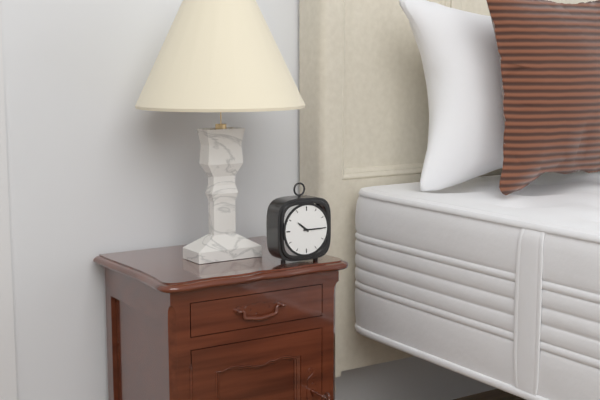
**10:15**
